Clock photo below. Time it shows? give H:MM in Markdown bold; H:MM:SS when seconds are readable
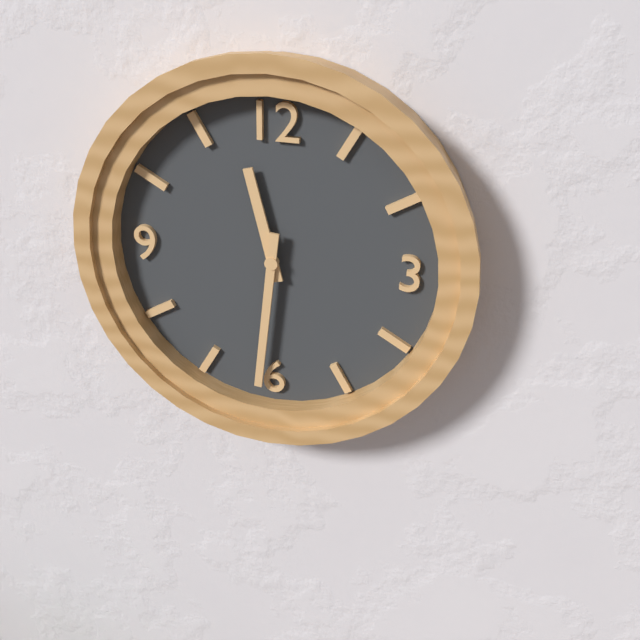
**11:31**
